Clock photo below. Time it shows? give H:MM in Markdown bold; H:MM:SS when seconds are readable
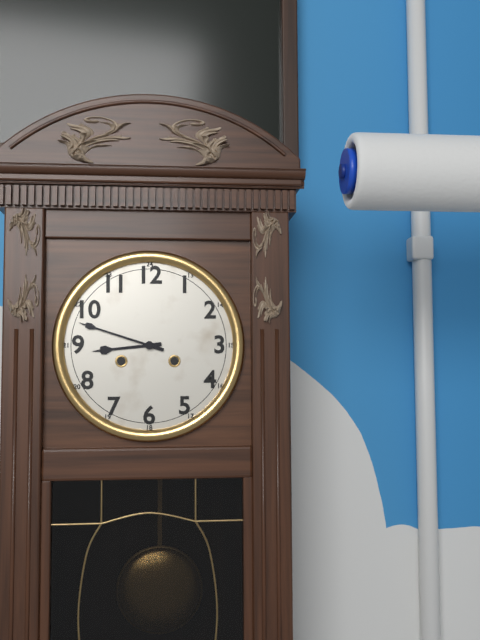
**8:48**
